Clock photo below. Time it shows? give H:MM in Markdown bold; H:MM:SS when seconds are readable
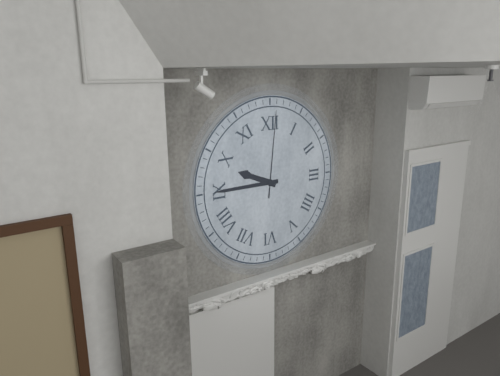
**9:45:01**
